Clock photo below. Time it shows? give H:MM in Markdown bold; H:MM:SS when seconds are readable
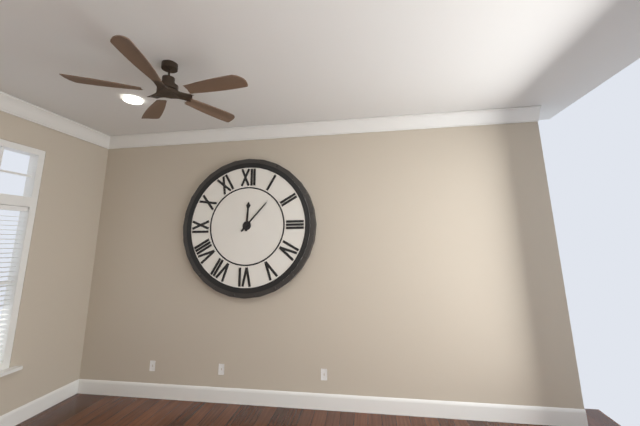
**12:07**
